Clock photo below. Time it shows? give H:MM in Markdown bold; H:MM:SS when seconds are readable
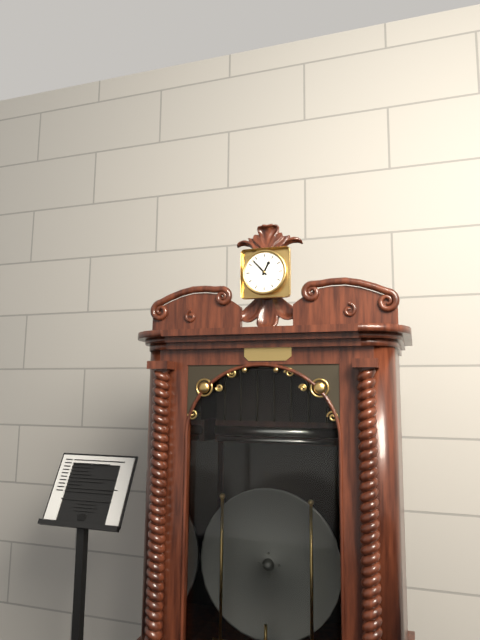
**12:53**
